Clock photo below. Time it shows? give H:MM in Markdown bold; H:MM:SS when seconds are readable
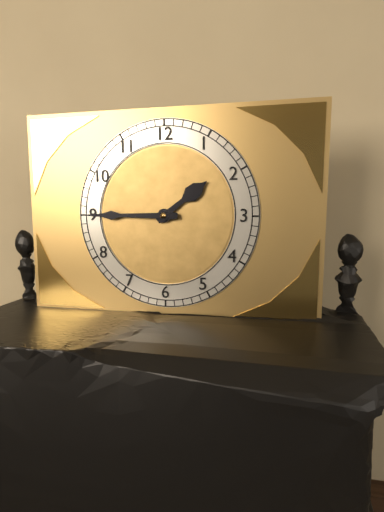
**1:45**
